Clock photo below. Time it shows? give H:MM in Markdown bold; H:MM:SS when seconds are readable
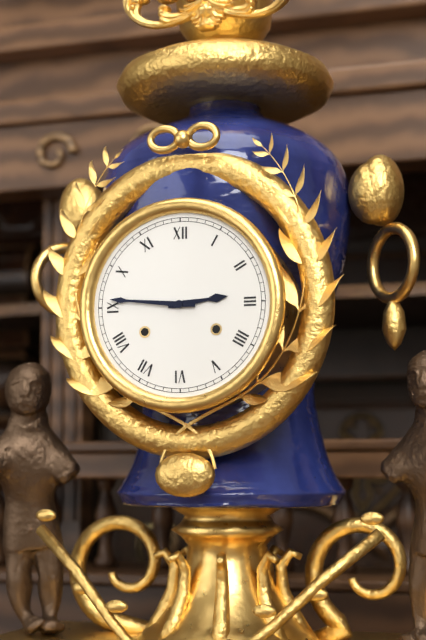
**2:46**
